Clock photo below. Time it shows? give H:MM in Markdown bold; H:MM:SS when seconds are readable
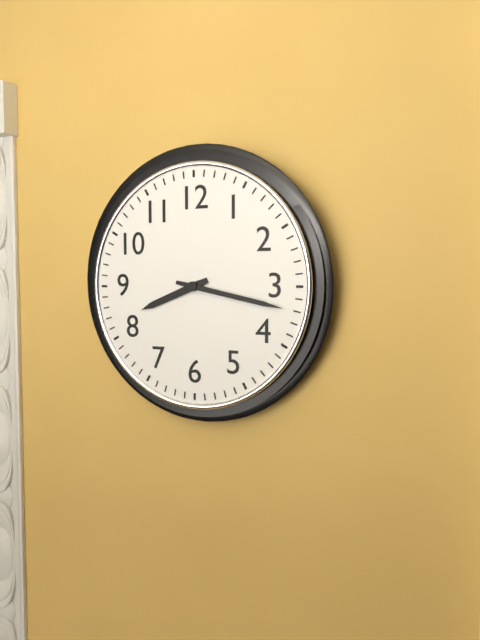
**8:17**
